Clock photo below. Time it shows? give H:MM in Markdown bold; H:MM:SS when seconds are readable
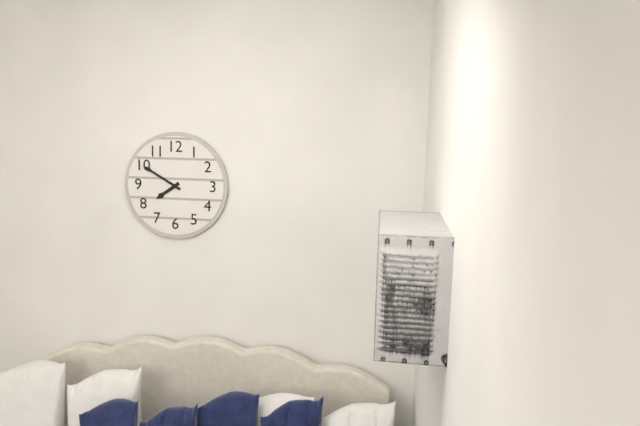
**7:50**
